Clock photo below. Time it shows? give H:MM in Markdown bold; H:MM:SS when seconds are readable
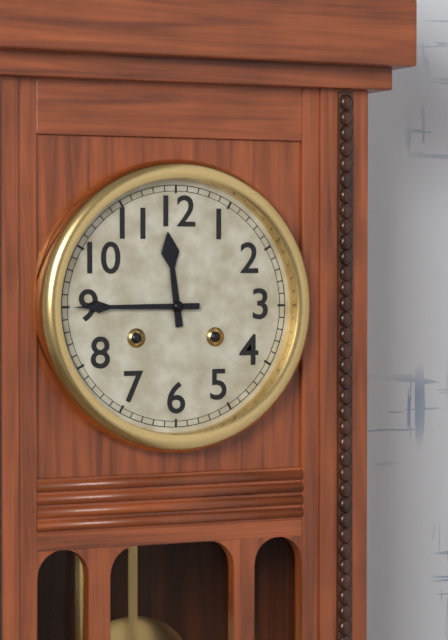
**11:45**
